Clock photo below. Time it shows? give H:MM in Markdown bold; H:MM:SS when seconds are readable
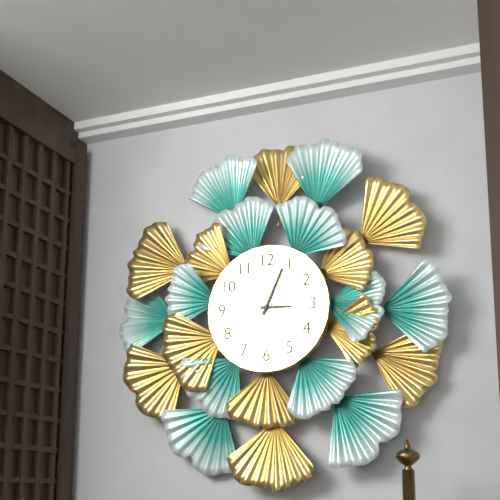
**3:04**
